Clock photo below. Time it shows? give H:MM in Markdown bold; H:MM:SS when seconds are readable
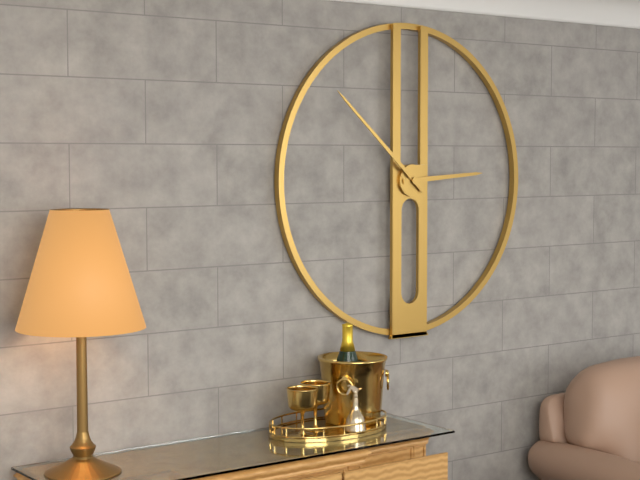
**2:52**
